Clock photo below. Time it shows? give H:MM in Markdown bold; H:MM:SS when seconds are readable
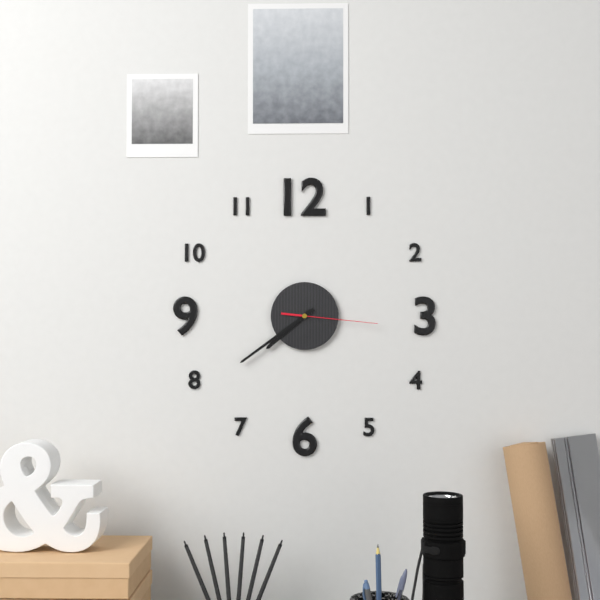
**7:39:16**
